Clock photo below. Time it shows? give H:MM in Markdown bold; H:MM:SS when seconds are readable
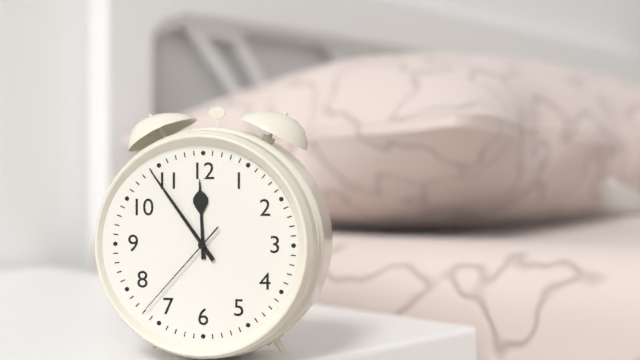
**11:54:37**
